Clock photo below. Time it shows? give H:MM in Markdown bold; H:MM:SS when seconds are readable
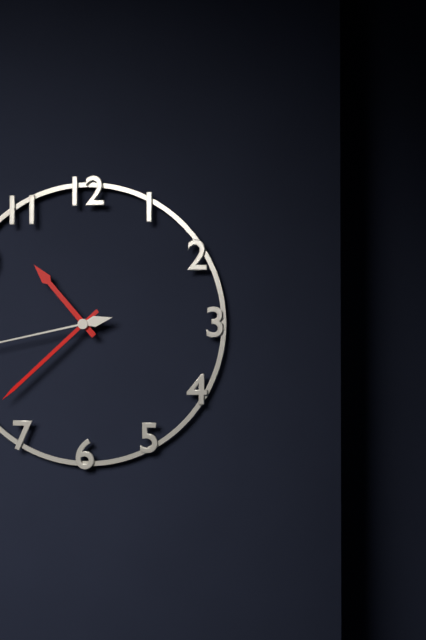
**10:38**
